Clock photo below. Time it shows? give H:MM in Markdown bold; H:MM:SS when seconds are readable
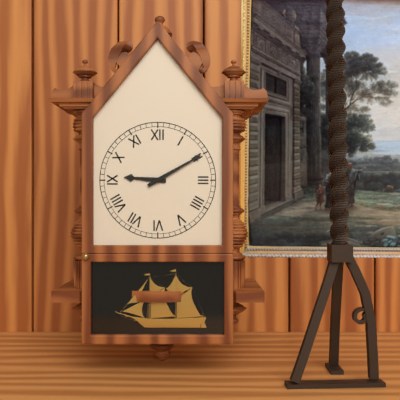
**9:10**
